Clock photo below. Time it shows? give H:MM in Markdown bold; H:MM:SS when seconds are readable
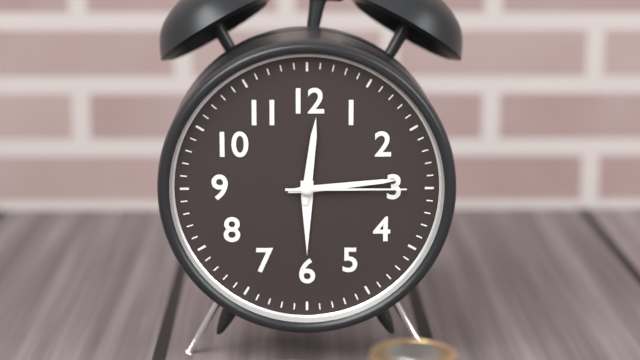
**12:14:15**
